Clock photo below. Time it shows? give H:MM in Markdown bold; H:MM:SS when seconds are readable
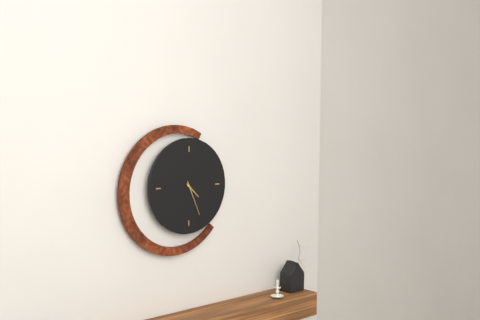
**4:26**
